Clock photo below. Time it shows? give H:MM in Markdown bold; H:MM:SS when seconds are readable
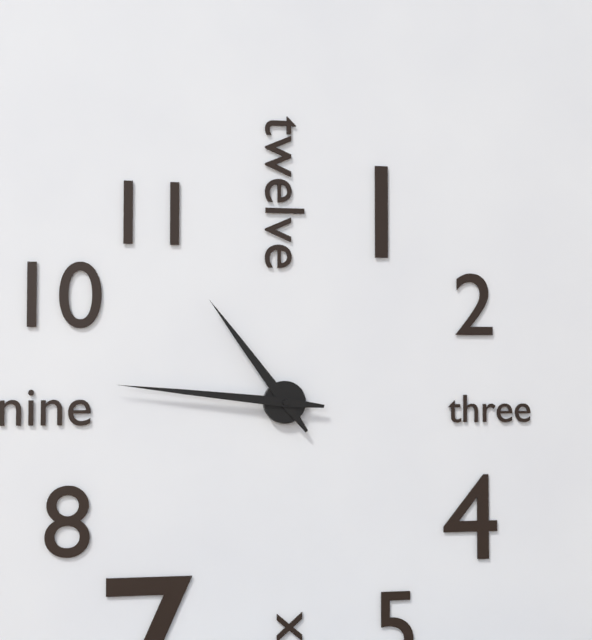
**10:46**
